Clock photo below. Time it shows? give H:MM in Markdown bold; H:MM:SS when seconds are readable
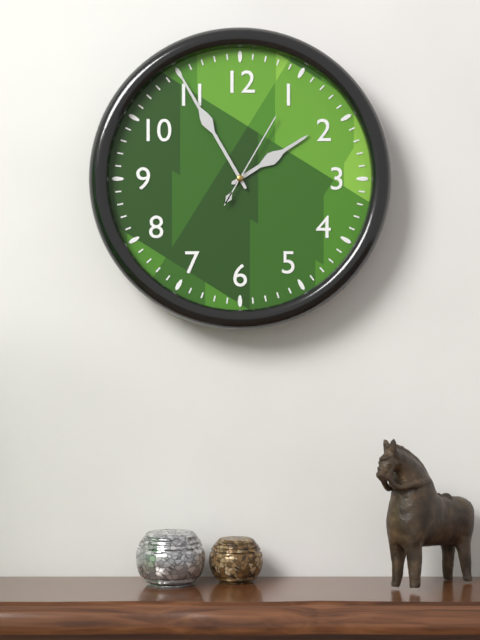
**1:55:05**
